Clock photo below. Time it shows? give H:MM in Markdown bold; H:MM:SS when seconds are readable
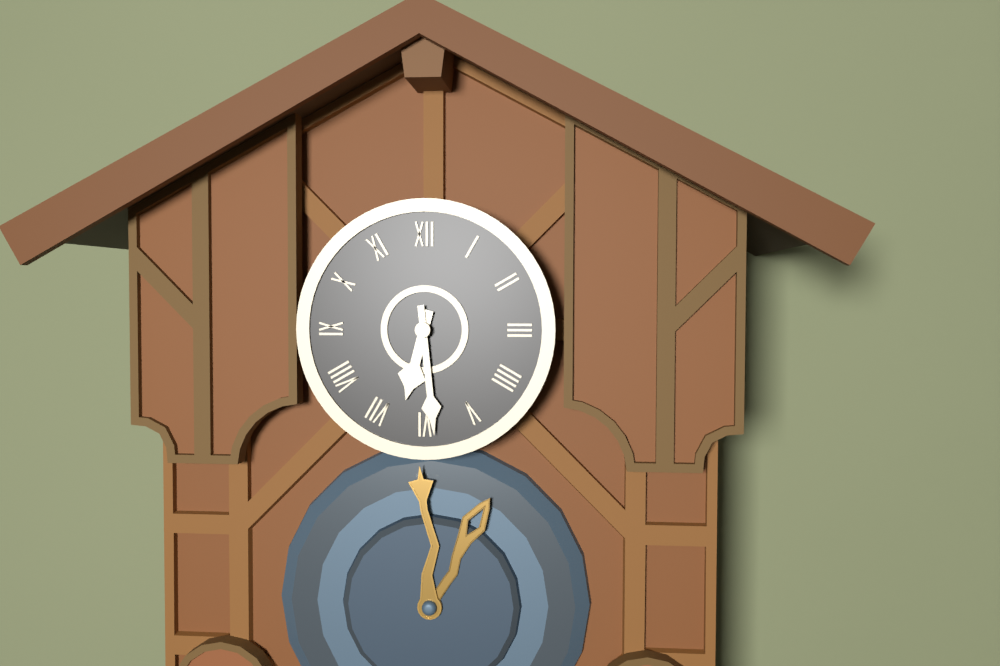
**6:29**
